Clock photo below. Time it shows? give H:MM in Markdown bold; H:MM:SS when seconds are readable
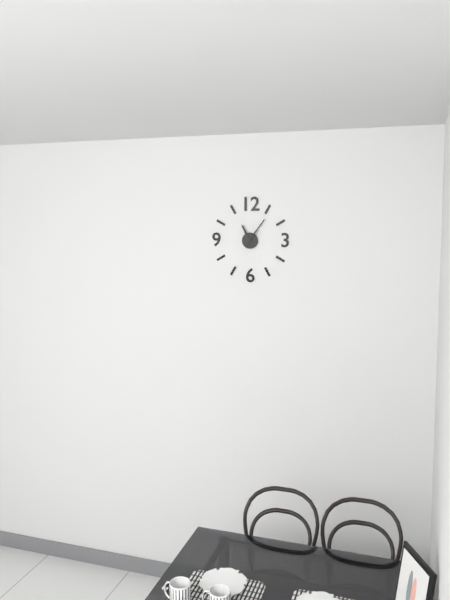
**11:06**
